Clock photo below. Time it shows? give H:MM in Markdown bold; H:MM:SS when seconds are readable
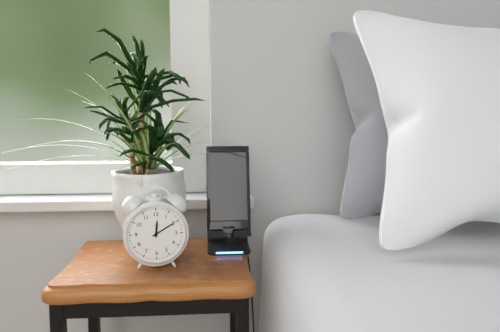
**12:10**
